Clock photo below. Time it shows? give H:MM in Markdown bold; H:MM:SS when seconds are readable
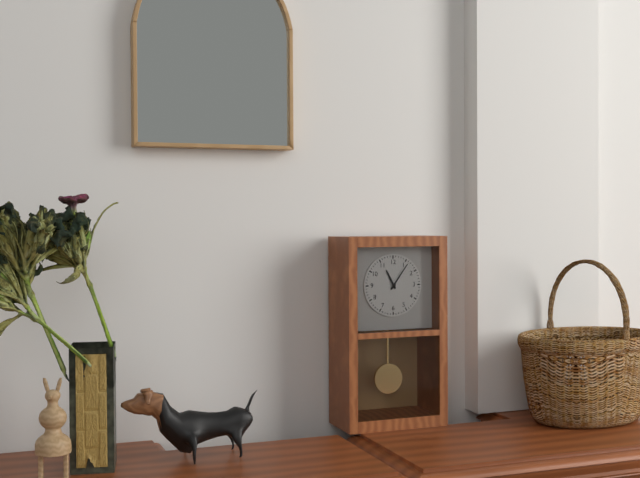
**11:06**
